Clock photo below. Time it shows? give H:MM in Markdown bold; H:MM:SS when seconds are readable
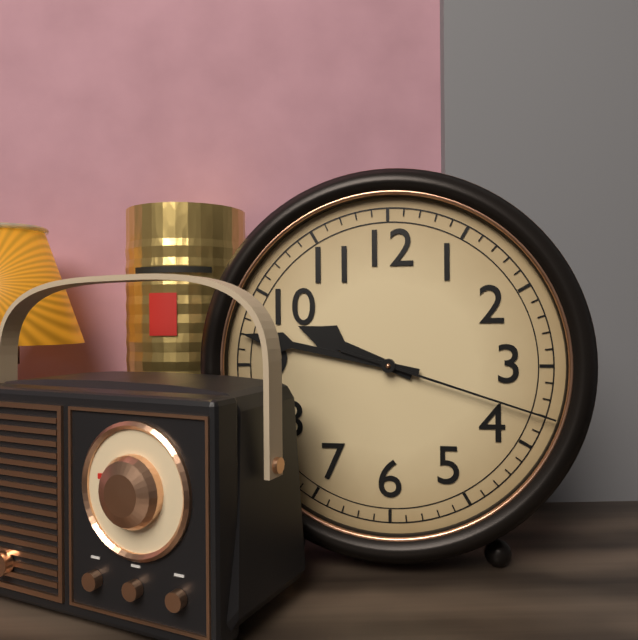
**9:47:18**
